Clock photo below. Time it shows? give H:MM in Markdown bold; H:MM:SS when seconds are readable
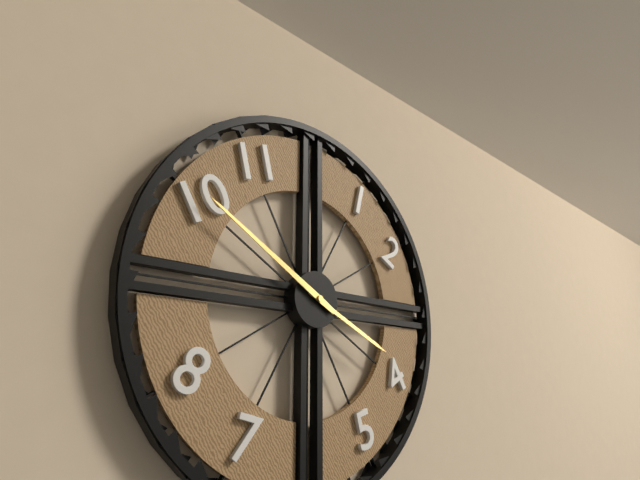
**3:50**
